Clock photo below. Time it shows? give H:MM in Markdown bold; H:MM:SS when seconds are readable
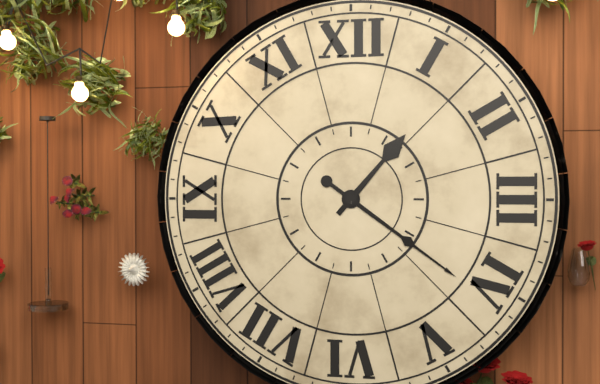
**1:21**
